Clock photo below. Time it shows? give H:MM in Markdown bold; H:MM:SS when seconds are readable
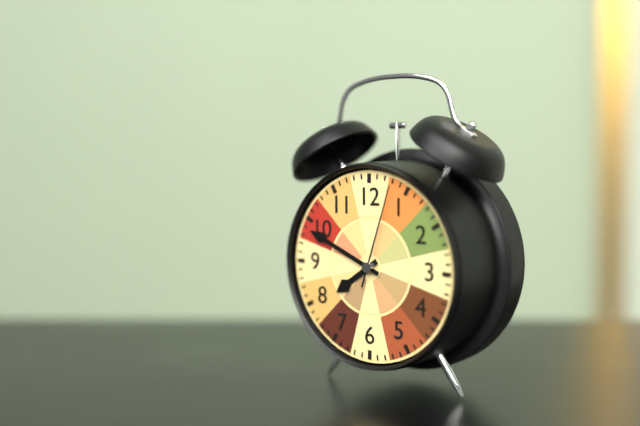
**7:49:03**
